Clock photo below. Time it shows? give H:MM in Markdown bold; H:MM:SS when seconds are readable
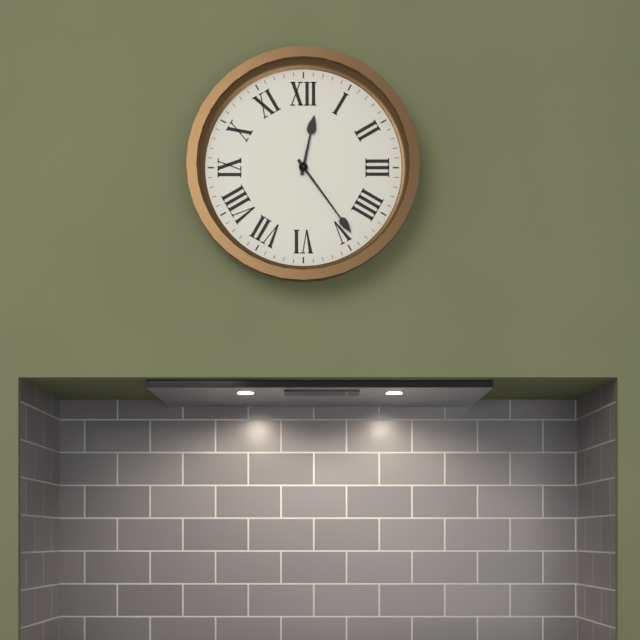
**12:24**
